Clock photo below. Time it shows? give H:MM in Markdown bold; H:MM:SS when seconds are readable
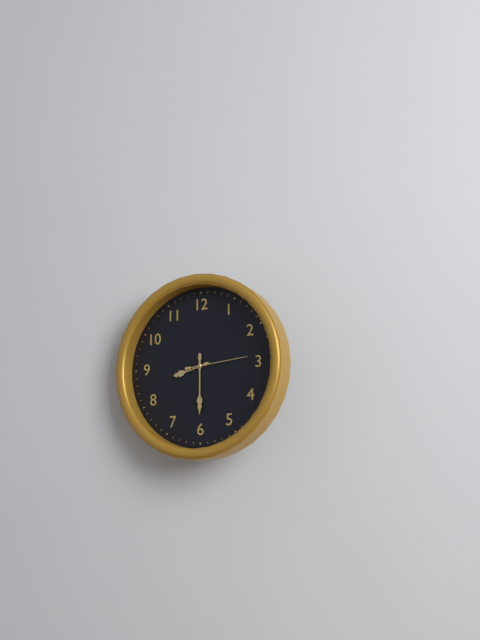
**8:30:14**
